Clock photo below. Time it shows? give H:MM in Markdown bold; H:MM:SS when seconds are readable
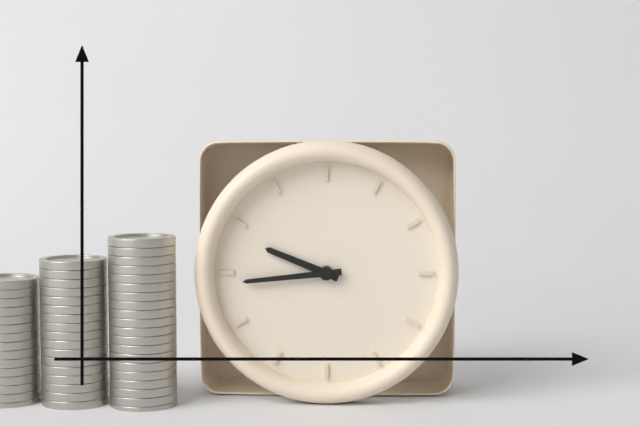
**9:44**
